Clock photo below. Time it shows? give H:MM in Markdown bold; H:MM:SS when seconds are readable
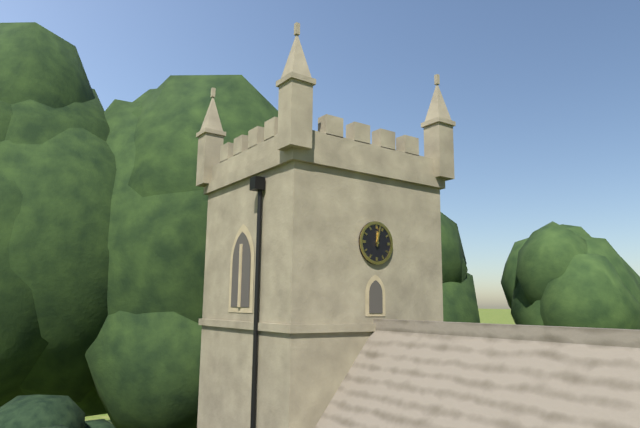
**12:02**
